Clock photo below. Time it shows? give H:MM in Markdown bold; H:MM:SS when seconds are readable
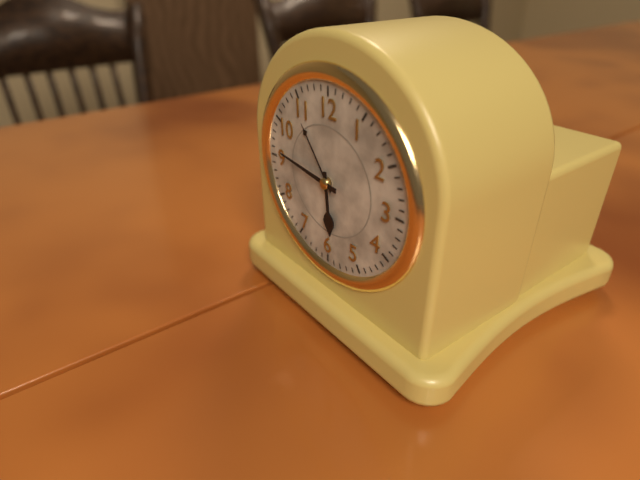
**5:46**
